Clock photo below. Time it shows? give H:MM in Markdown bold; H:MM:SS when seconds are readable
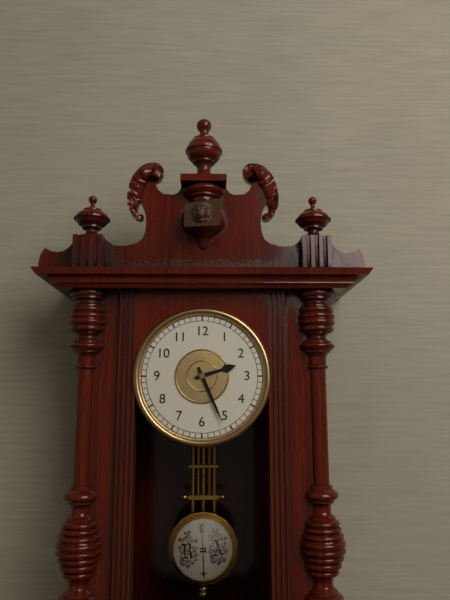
**2:26**
